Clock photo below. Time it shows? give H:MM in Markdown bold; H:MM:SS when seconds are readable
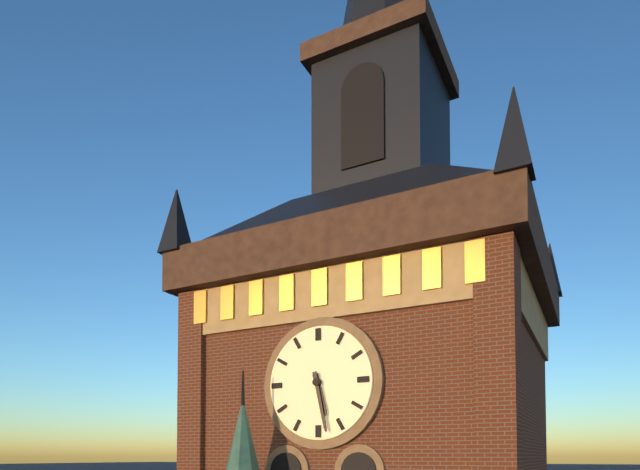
**5:28**
